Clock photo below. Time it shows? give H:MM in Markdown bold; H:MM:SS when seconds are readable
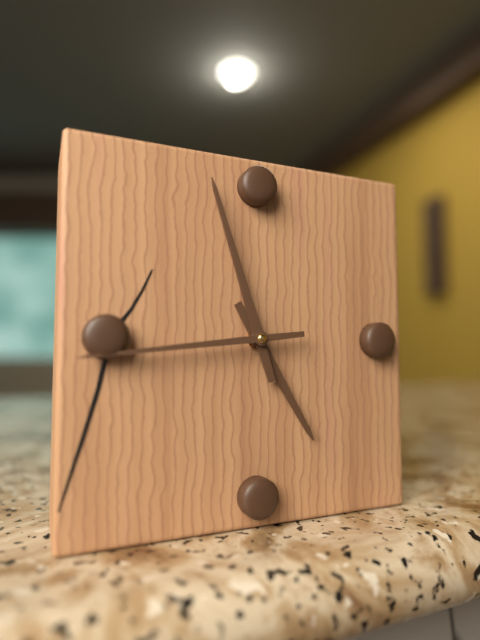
**4:57:44**
